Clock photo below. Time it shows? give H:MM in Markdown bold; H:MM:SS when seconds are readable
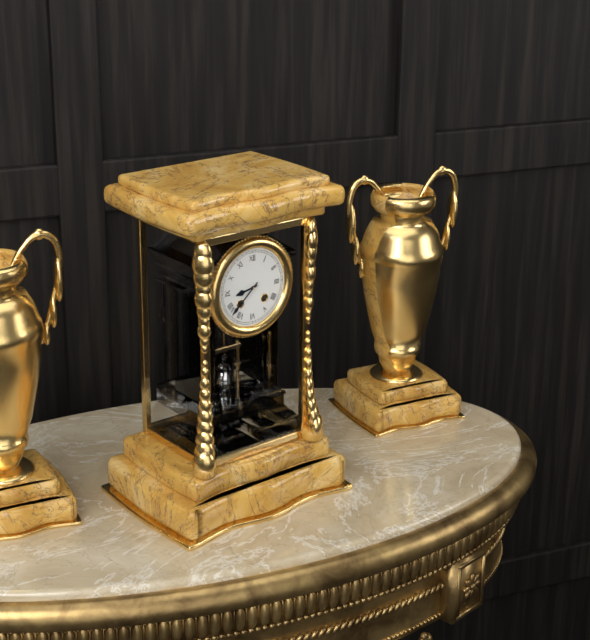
**8:38**
